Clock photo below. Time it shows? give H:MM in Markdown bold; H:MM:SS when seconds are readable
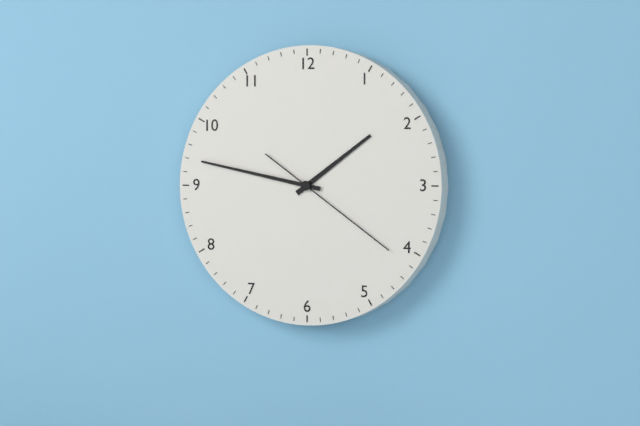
**1:47:21**
